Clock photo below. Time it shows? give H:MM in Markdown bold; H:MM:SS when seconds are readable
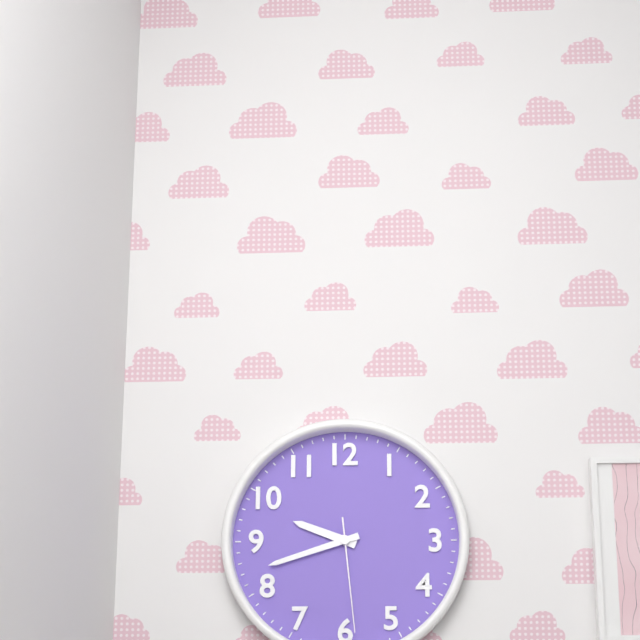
**9:42:29**
